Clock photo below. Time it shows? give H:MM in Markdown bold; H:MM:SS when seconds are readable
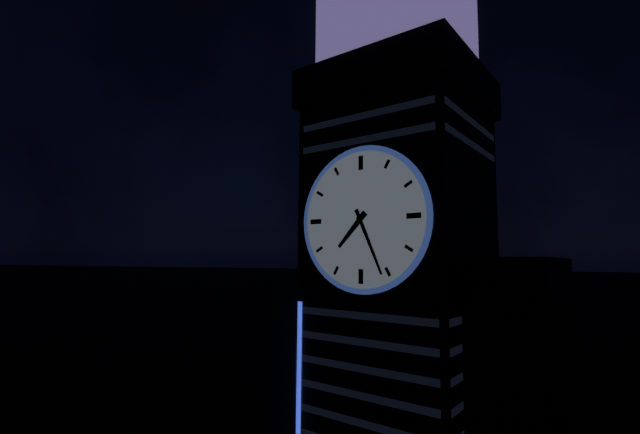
**7:26**
